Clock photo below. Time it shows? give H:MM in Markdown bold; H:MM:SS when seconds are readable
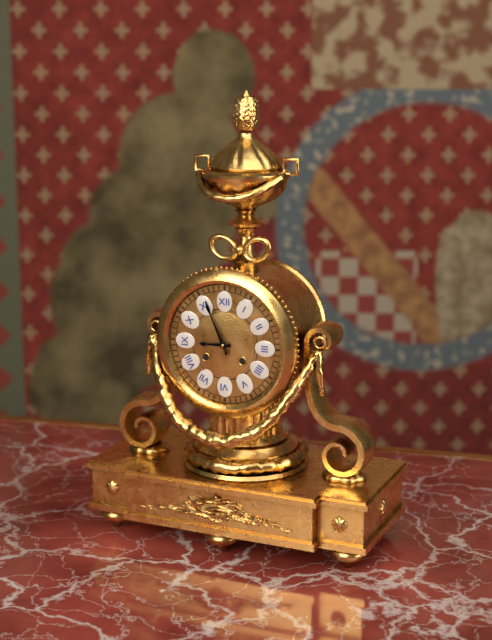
**8:56**
